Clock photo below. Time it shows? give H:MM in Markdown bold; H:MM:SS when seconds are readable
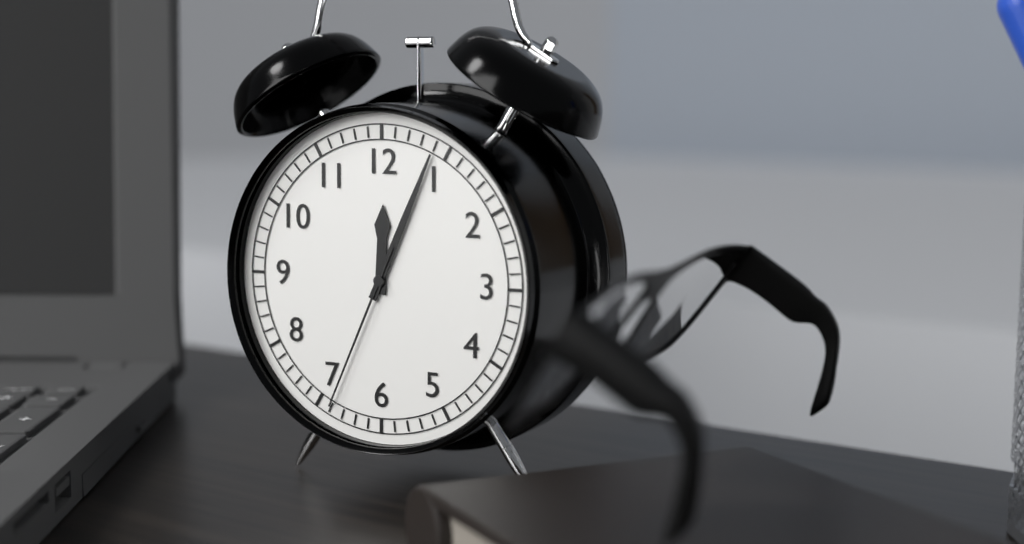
**12:04:34**
